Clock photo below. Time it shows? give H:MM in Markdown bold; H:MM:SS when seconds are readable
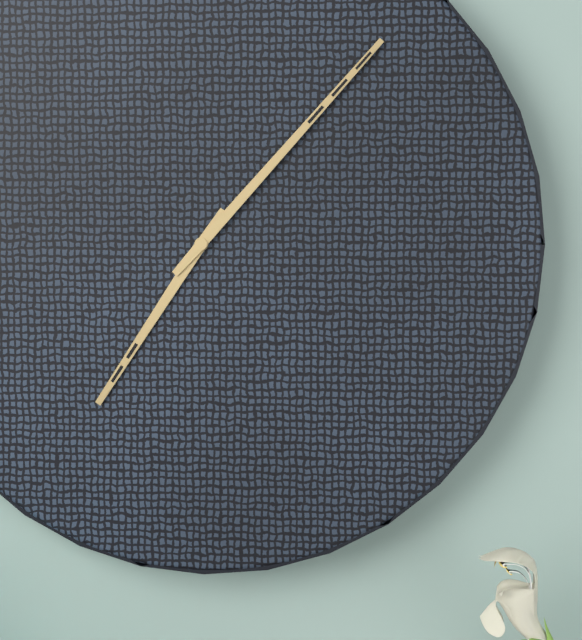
**7:07**
